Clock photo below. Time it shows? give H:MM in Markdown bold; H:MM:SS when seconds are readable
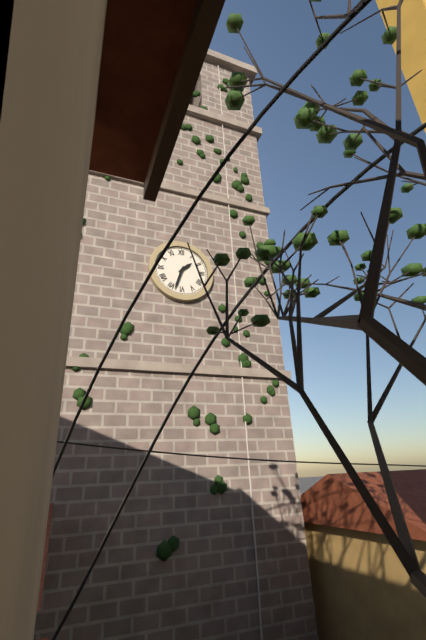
**1:33**
